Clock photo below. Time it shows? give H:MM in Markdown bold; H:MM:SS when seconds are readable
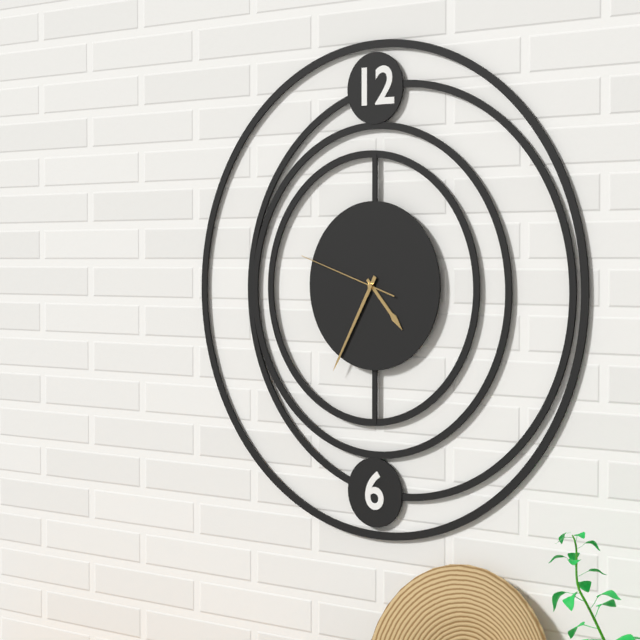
**4:35:48**
